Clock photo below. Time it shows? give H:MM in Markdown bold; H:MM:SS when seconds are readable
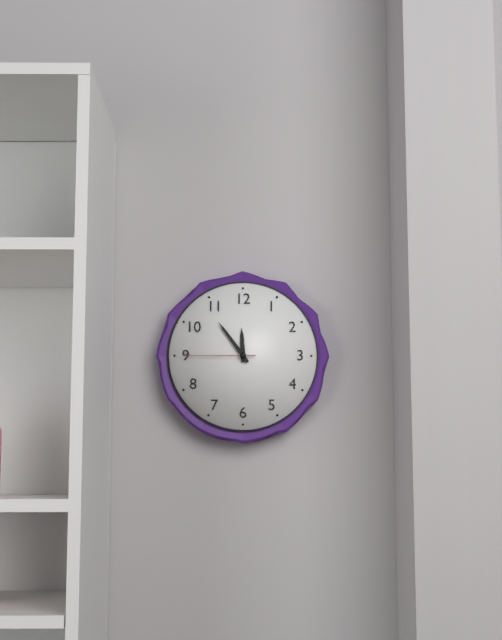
**11:54:45**
